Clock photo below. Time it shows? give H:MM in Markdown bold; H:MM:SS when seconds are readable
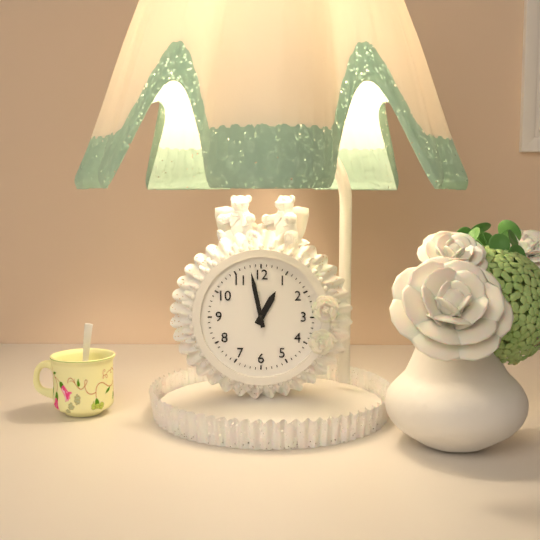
**12:58**
